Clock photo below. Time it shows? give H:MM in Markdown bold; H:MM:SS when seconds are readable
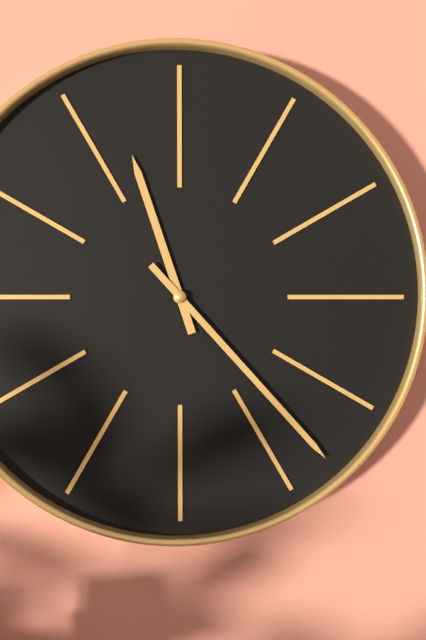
**11:23**
